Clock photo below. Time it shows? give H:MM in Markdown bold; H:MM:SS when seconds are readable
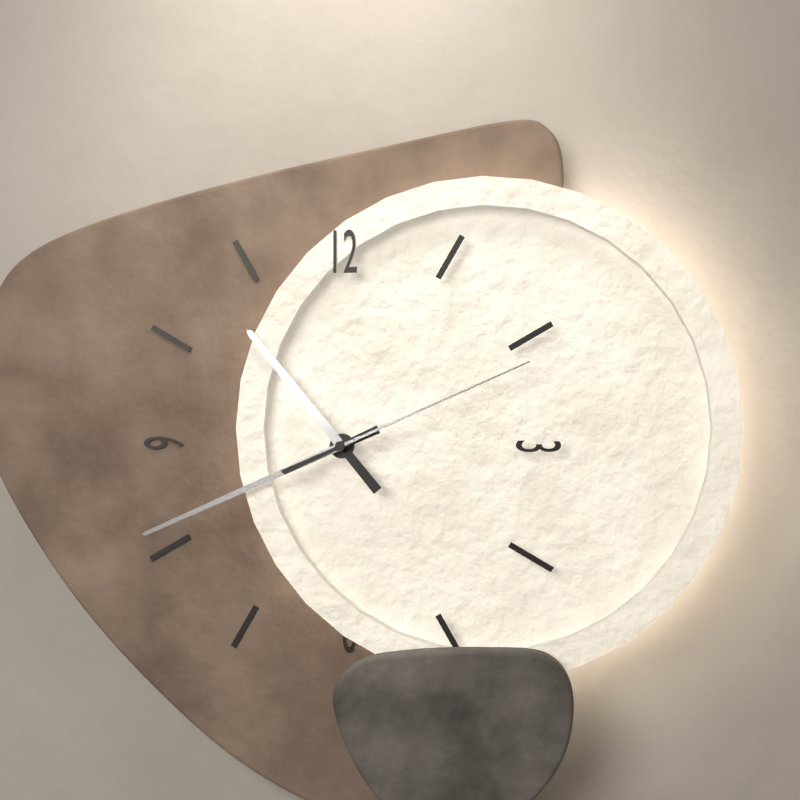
**10:41:11**
